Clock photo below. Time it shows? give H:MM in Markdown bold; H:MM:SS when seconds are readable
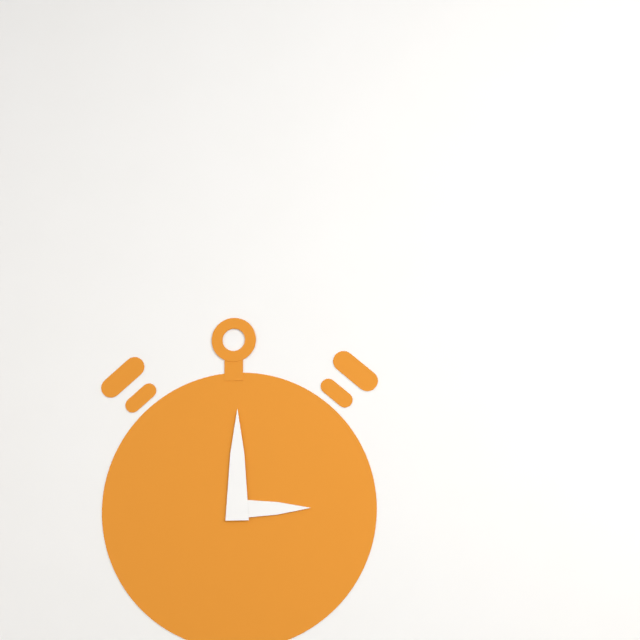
**3:00**
